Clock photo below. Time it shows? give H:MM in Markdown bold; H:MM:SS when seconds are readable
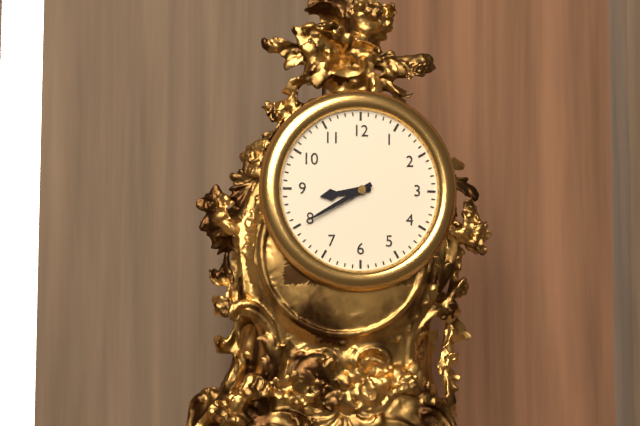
**8:40**
